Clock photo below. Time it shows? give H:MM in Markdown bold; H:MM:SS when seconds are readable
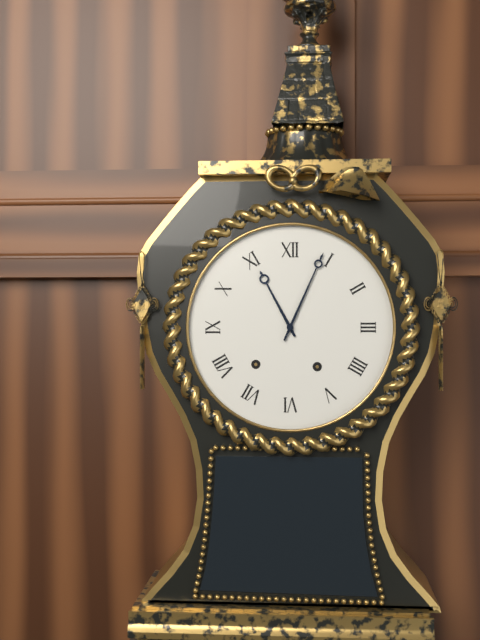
**11:04**
